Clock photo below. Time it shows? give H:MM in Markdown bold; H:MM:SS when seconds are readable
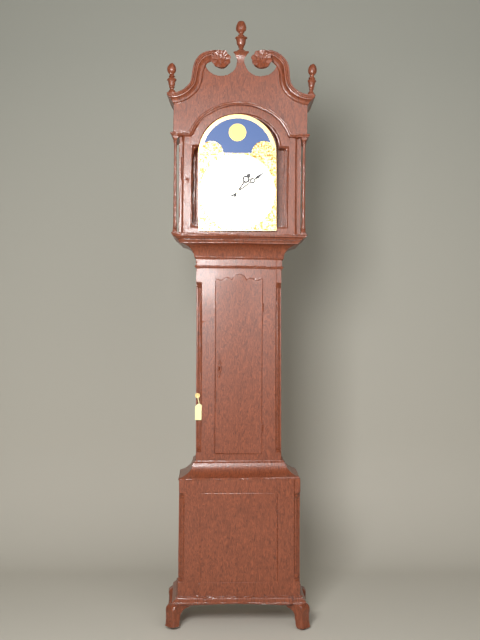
**1:09**
